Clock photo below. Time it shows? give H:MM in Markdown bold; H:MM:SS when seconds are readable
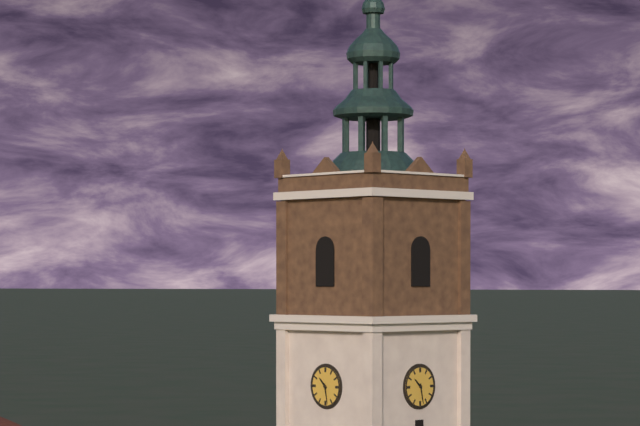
**10:28**
